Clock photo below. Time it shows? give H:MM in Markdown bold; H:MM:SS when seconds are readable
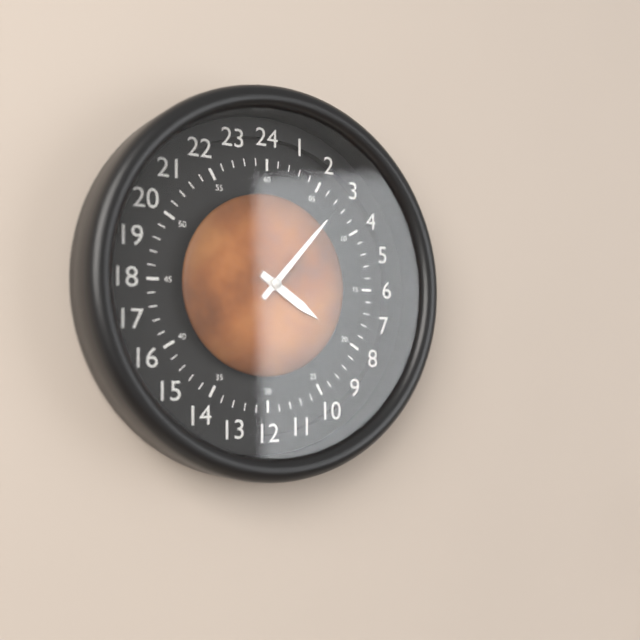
**4:07**
